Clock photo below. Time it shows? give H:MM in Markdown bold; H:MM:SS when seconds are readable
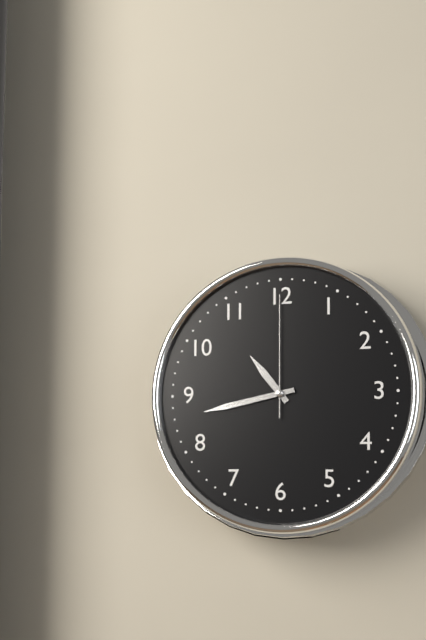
**10:43:00**
